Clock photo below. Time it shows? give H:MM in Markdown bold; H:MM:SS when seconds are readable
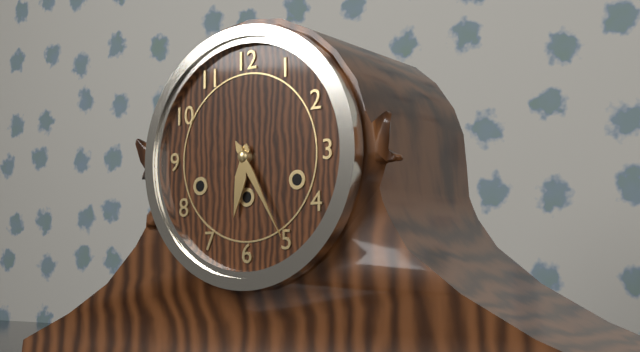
**6:25**
